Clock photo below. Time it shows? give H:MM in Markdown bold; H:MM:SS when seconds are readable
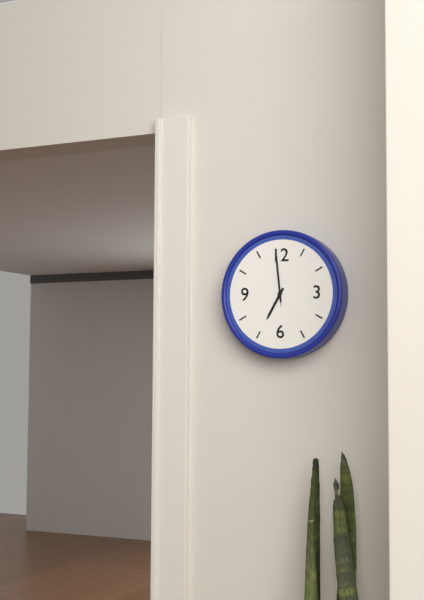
**6:59:59**
